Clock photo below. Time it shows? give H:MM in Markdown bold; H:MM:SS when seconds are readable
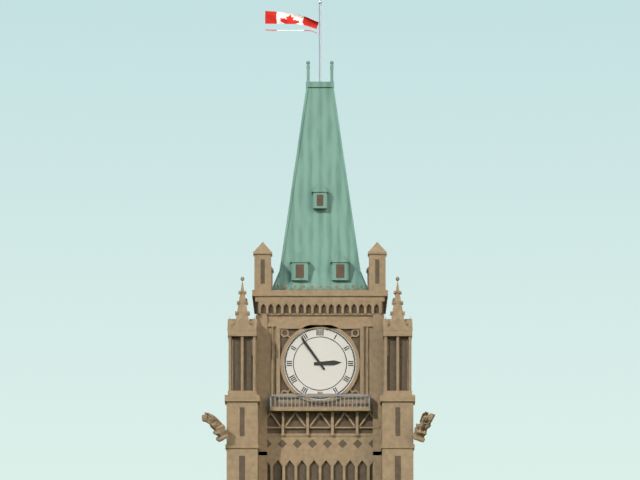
**2:54**
